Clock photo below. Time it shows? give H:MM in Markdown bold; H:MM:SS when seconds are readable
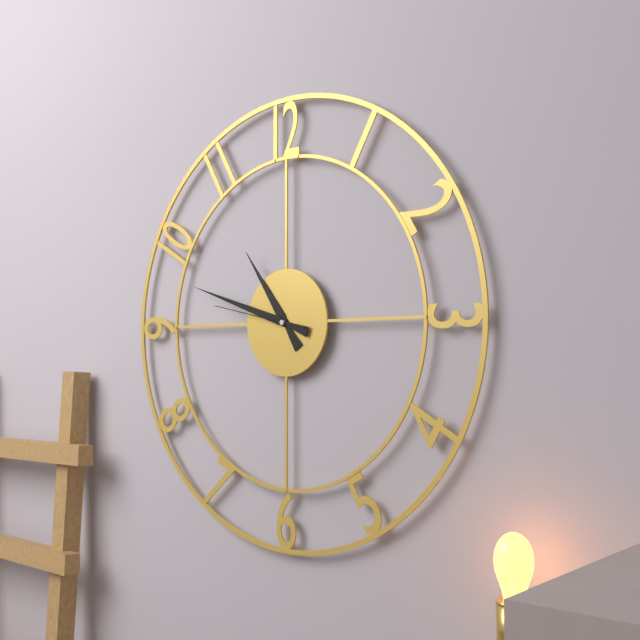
**10:48:47**
